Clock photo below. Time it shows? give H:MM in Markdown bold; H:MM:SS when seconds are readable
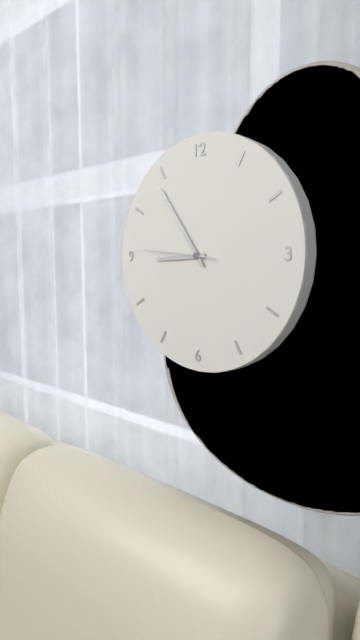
**8:54:46**
